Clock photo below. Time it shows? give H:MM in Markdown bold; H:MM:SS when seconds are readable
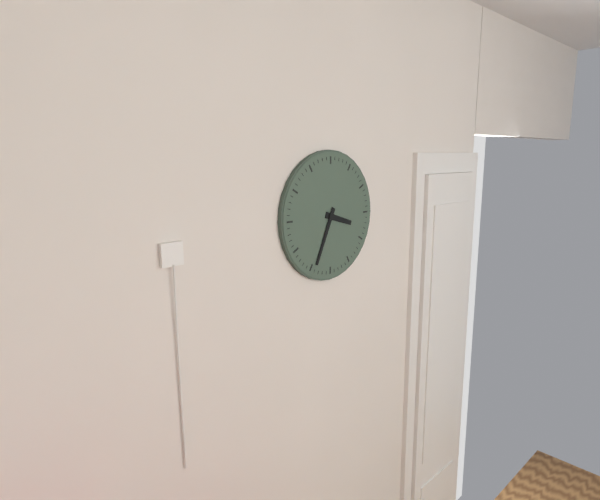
**3:34**
